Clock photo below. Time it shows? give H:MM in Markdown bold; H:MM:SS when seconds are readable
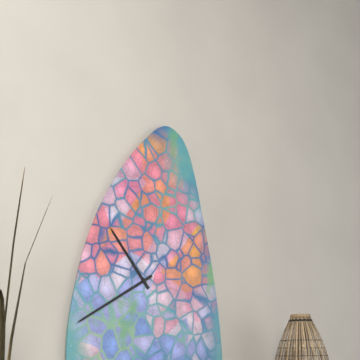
**10:40**
